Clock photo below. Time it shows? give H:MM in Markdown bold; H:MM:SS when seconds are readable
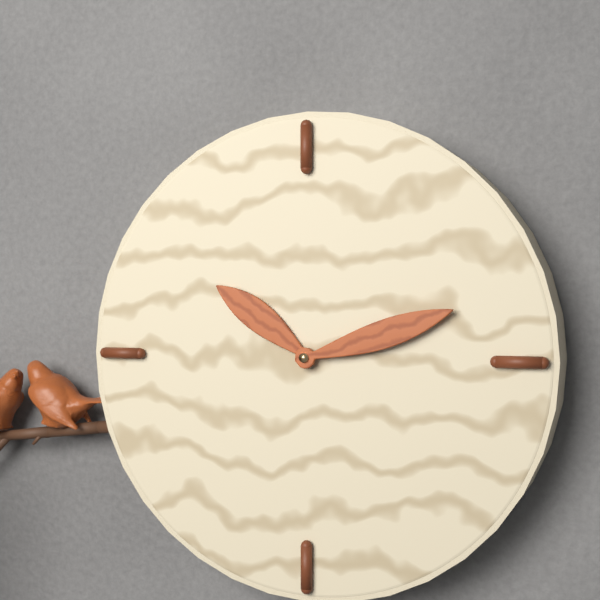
**10:12**
